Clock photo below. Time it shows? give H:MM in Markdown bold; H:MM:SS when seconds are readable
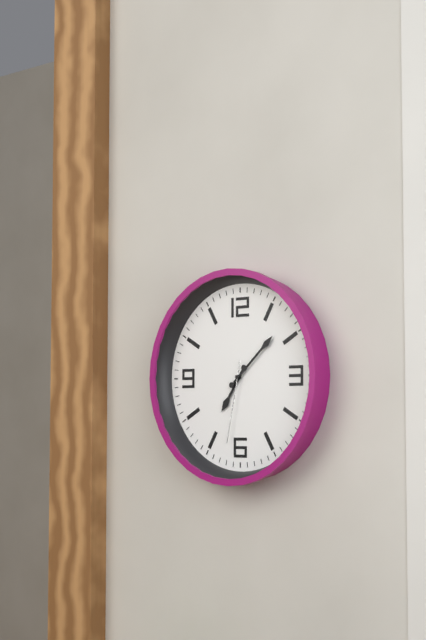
**7:08:32**
